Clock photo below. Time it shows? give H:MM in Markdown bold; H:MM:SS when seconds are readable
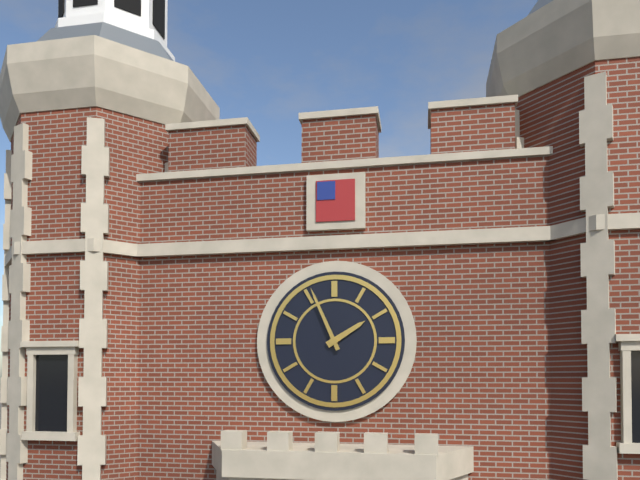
**1:56**
